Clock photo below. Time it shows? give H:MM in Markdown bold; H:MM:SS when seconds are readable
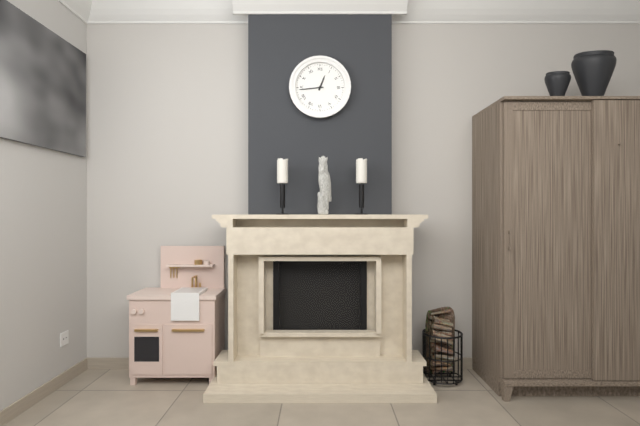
**12:44**
